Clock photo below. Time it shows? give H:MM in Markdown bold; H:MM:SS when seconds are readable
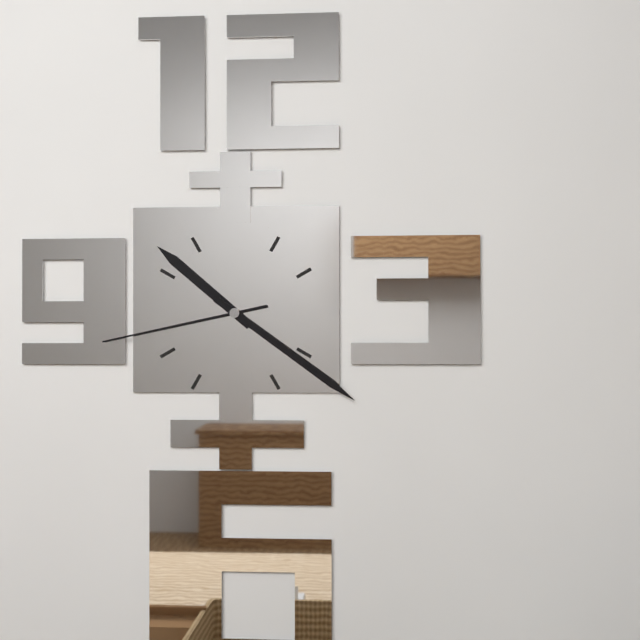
**10:21:43**
